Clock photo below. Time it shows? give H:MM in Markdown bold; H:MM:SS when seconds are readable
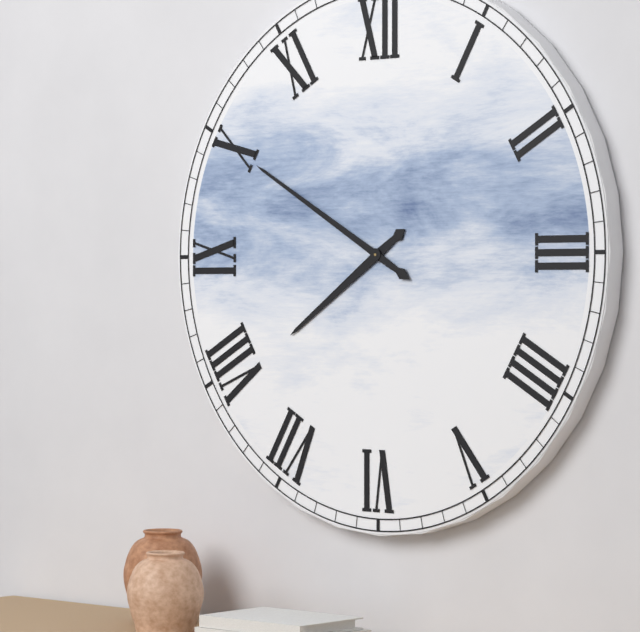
**7:50**
